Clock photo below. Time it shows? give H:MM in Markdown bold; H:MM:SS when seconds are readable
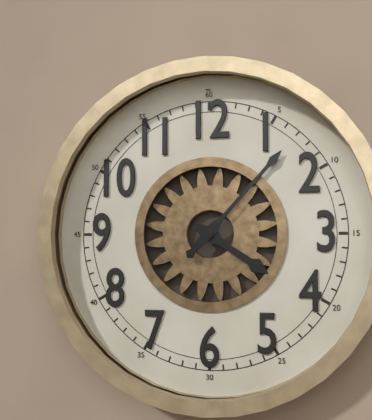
**4:07**
